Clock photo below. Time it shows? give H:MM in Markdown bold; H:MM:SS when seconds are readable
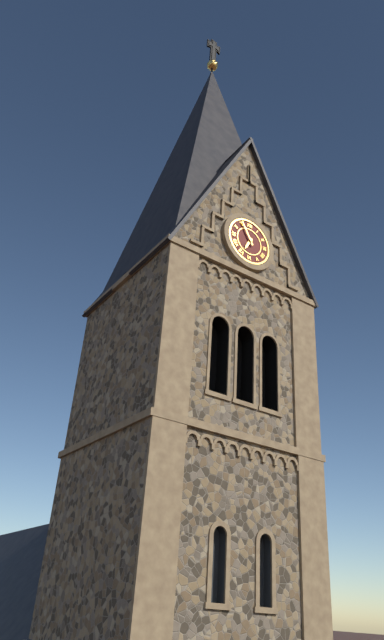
**6:55**
